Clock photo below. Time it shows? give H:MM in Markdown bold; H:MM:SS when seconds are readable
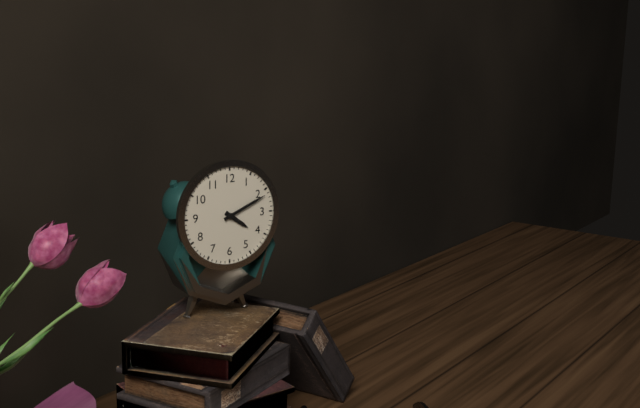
**4:11**
